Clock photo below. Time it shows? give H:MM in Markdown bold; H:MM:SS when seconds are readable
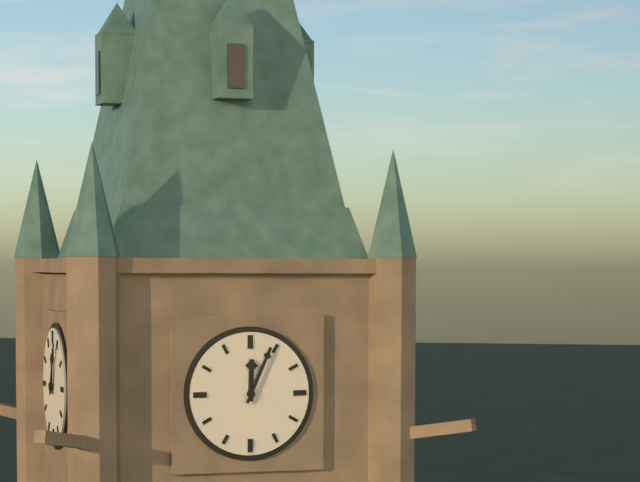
**12:04**
